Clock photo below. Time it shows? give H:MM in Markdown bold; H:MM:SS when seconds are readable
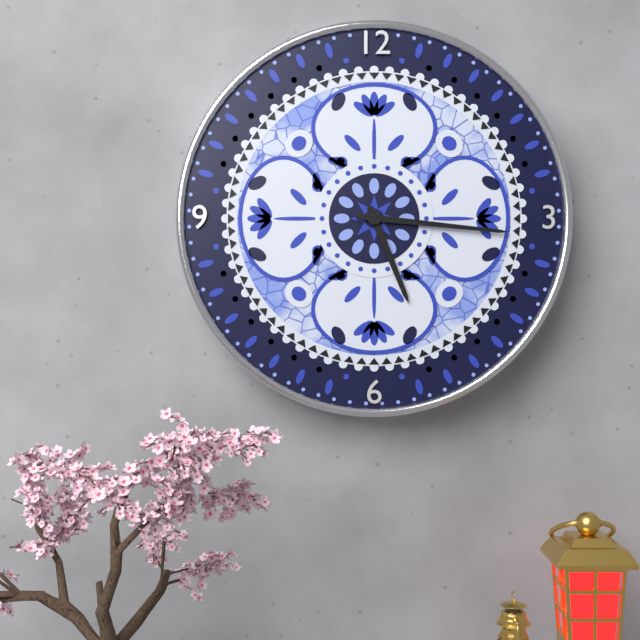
**5:16**
